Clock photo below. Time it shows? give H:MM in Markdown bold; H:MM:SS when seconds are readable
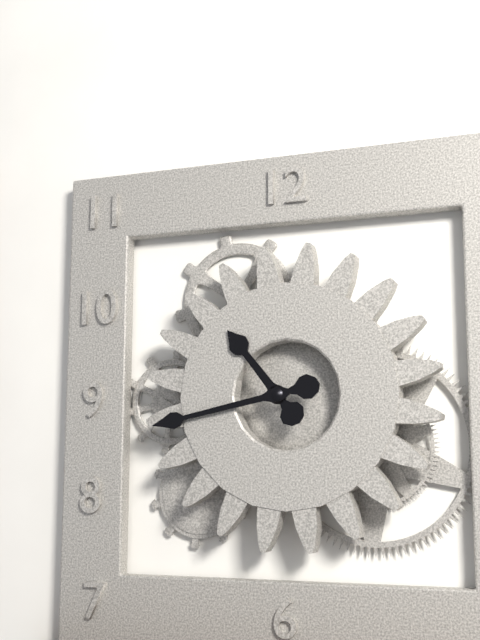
**10:43**
